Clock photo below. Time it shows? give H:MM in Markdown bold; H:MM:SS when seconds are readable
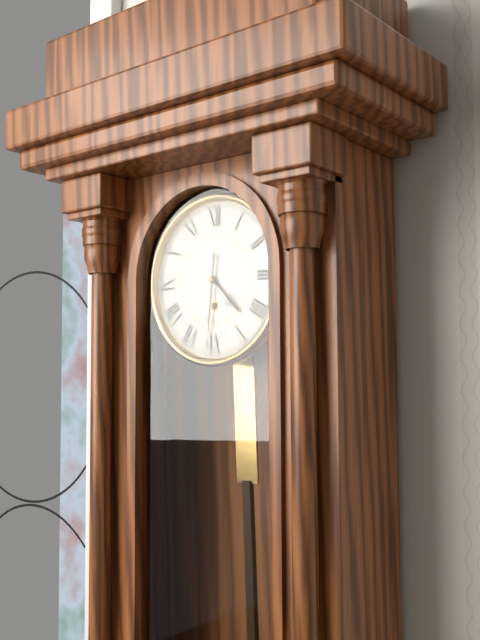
**4:31**
